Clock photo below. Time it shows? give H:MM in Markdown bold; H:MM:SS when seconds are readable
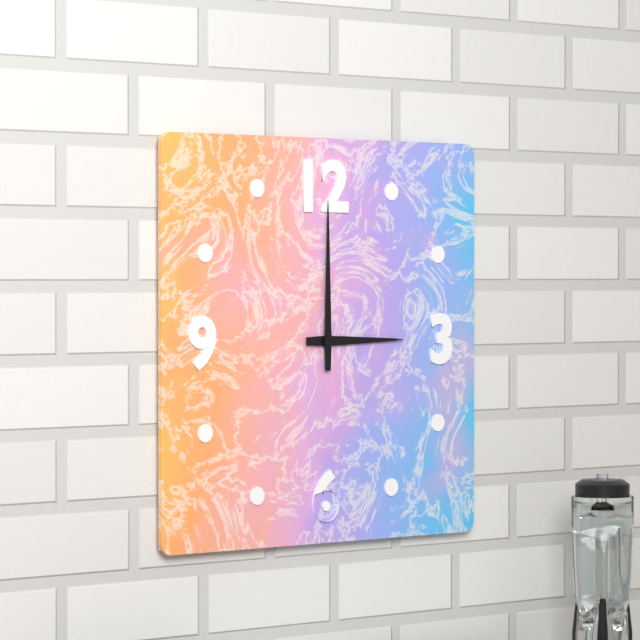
**3:00**
